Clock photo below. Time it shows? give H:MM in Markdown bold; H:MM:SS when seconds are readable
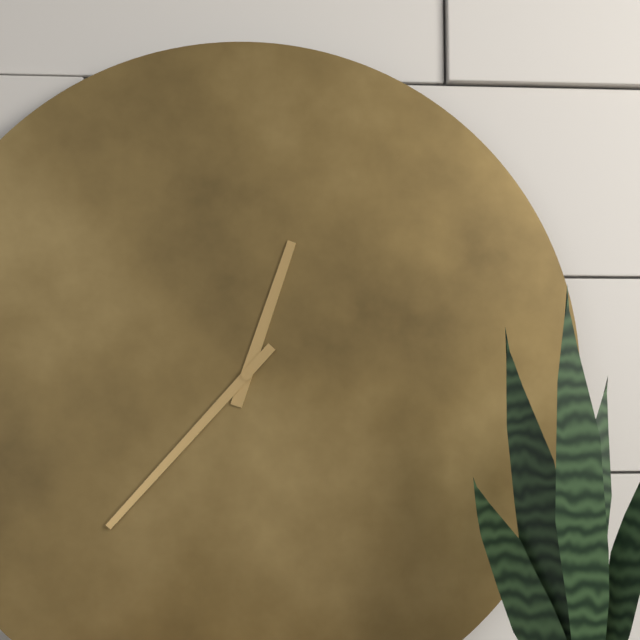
**12:37**
